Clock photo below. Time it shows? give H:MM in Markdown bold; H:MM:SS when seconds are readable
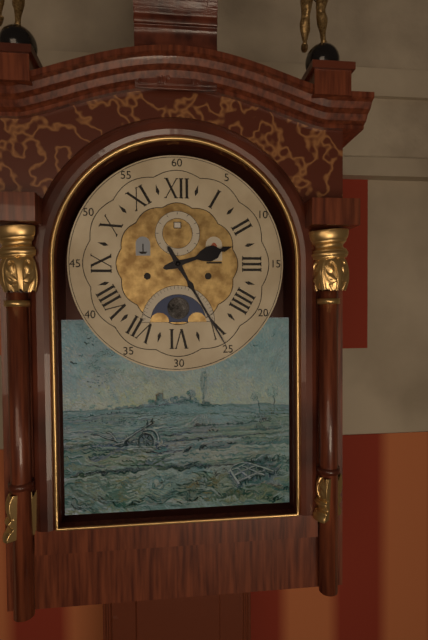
**2:25**
